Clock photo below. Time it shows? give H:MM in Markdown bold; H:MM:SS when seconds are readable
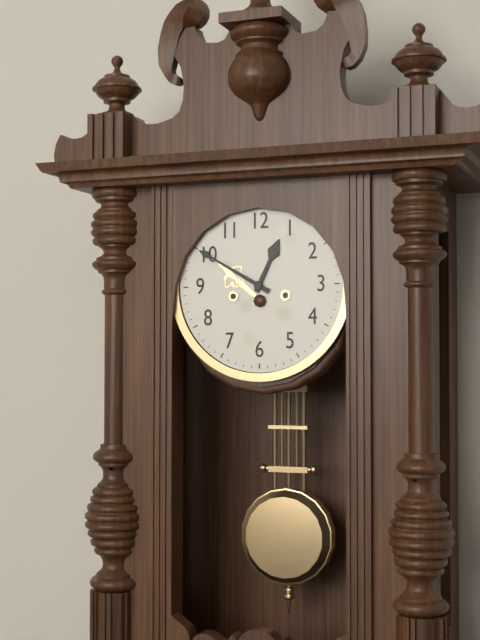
**12:50**
